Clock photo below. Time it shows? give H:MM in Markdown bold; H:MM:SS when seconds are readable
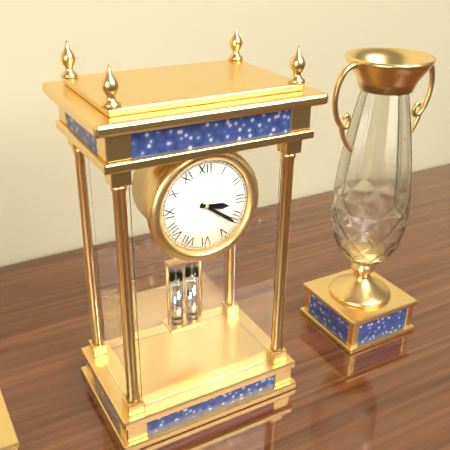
**3:21**
